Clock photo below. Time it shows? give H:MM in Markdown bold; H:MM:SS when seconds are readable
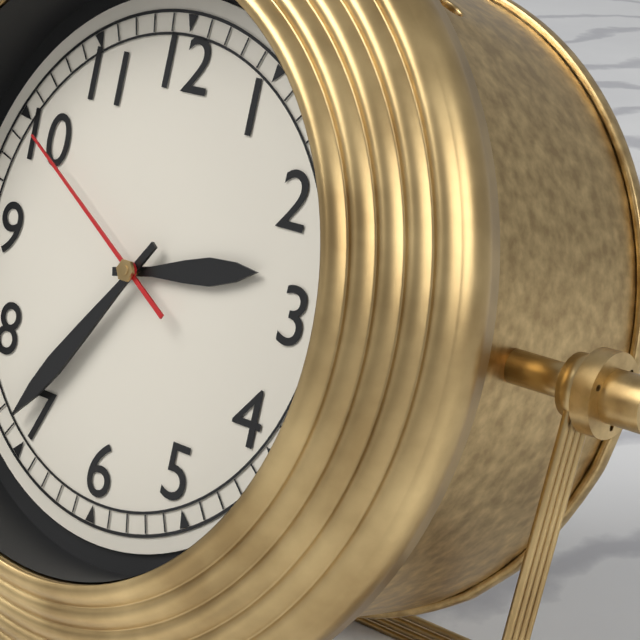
**2:36:50**
